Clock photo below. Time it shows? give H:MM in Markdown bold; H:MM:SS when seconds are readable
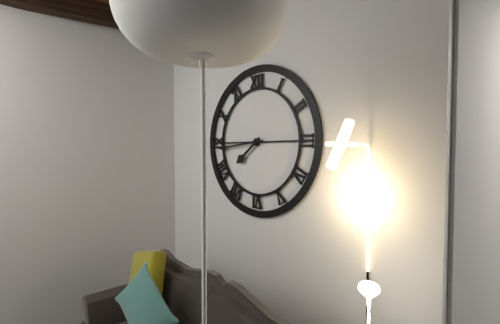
**7:44**
